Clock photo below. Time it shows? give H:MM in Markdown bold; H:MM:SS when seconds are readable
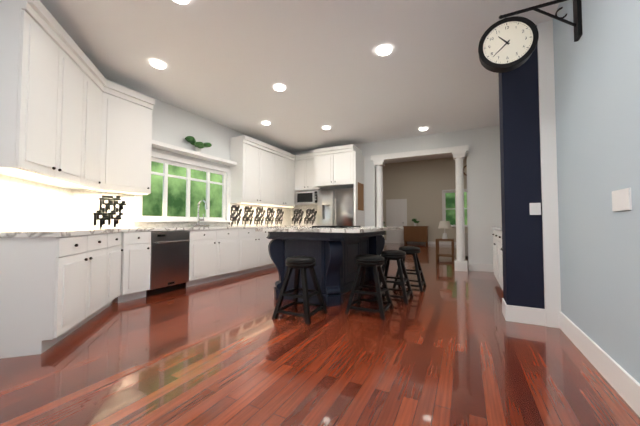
**10:38**
